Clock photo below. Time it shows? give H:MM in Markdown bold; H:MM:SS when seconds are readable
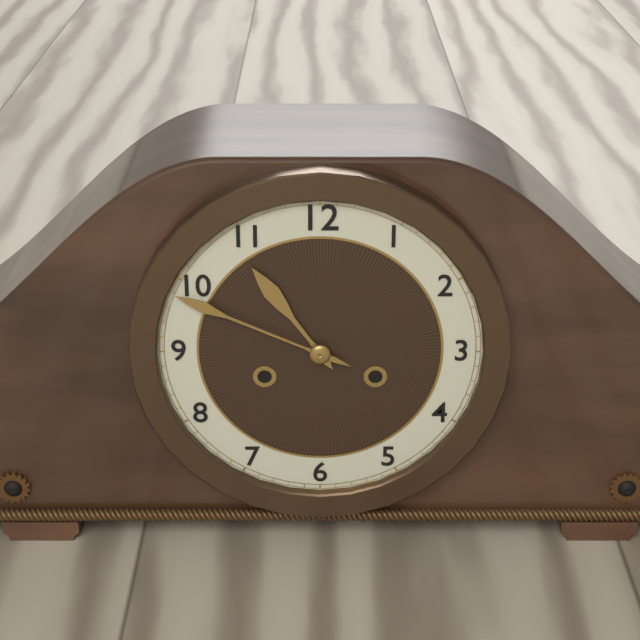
**10:49**
